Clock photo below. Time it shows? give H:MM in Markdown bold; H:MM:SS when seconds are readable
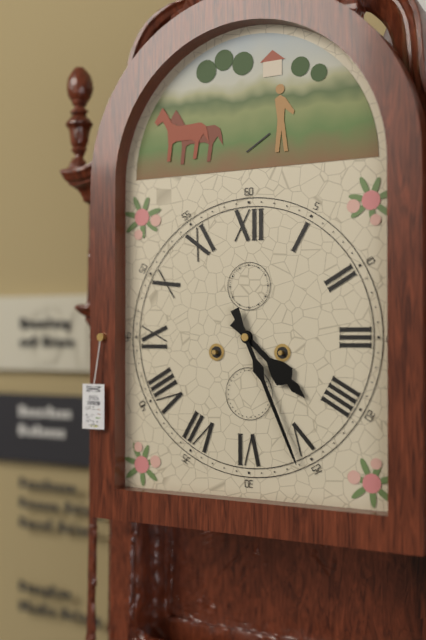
**4:26**
